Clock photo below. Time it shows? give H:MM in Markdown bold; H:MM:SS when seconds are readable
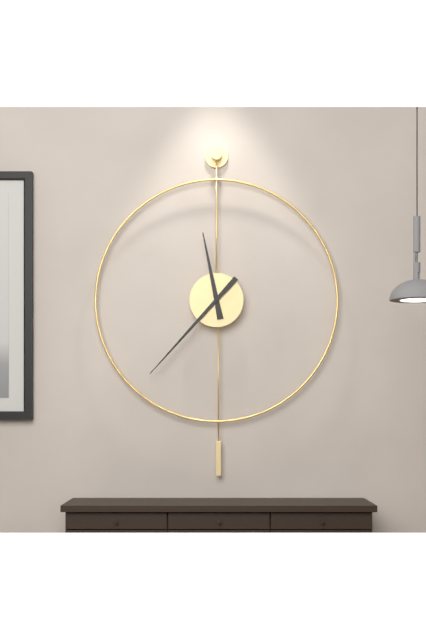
**11:37**
